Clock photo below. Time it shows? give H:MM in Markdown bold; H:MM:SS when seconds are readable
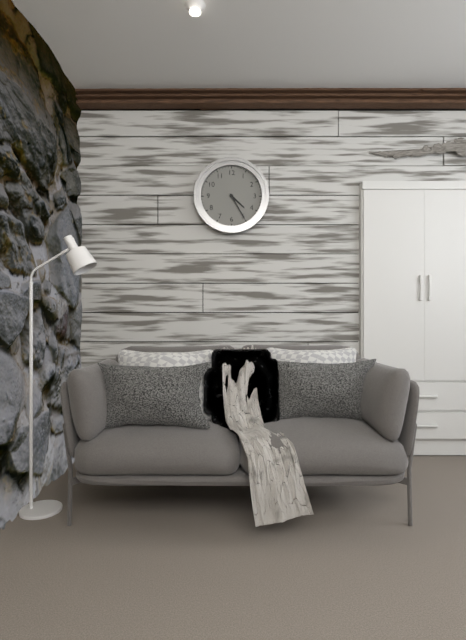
**4:25**
